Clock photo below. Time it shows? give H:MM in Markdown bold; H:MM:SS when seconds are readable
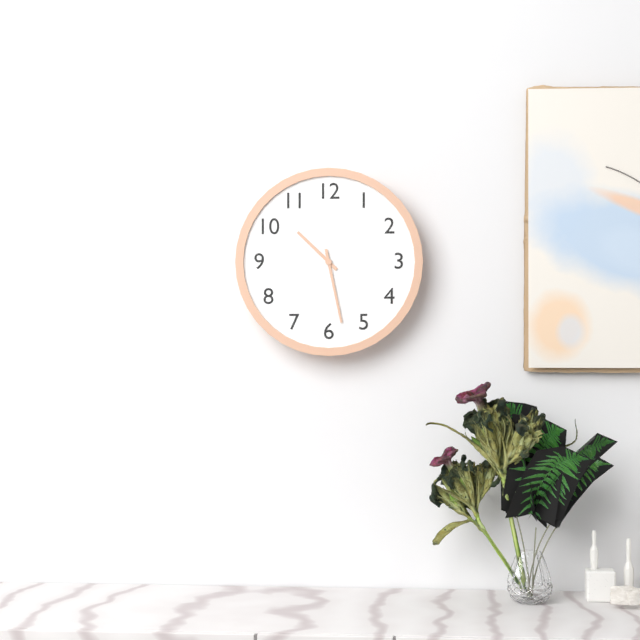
**10:28**
